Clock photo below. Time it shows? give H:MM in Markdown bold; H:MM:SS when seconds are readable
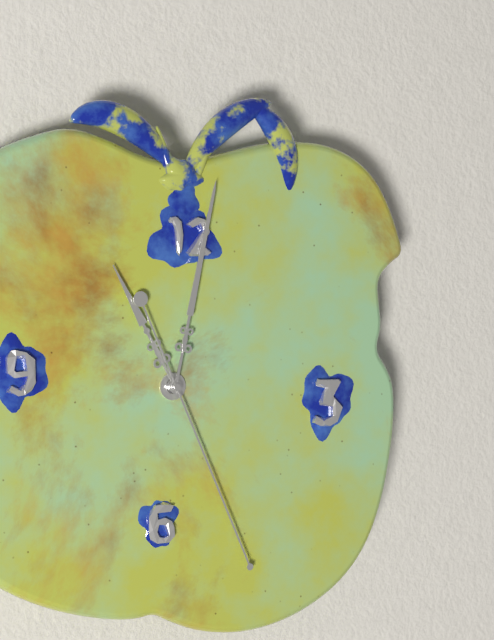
**11:02:26**
